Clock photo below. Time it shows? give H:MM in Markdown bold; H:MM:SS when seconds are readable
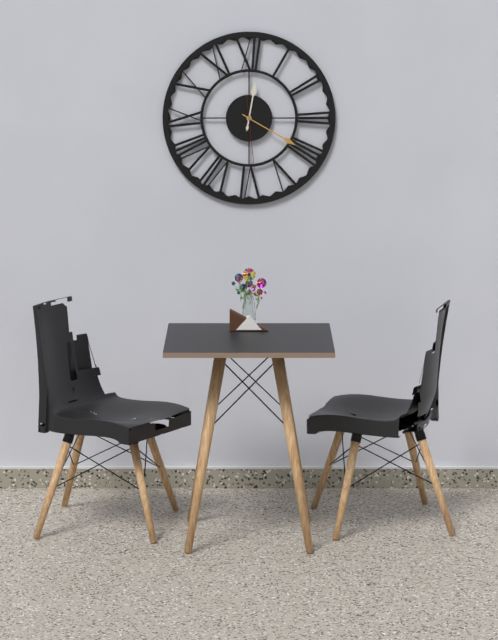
**12:20:29**
